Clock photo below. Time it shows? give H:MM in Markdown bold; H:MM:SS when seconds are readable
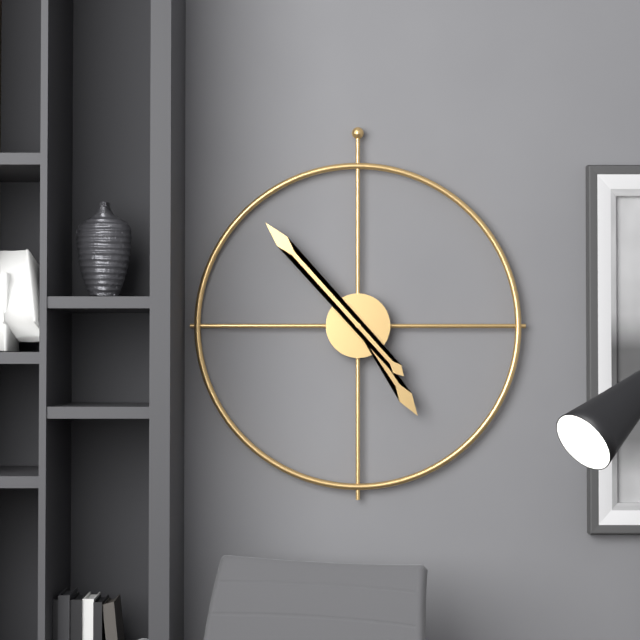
**4:53**
